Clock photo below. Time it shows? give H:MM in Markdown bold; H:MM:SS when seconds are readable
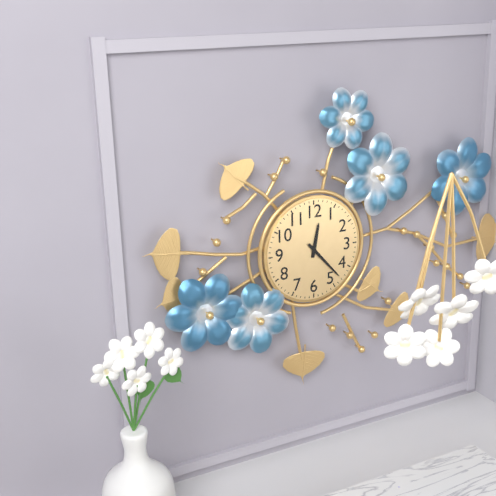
**12:23**
